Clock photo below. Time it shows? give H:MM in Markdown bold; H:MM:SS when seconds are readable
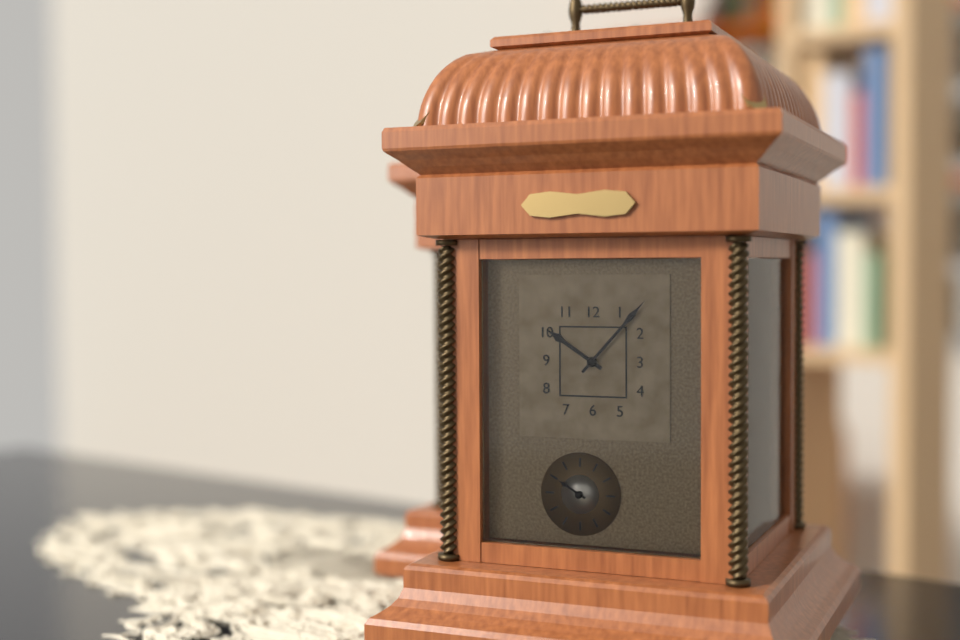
**10:07**
